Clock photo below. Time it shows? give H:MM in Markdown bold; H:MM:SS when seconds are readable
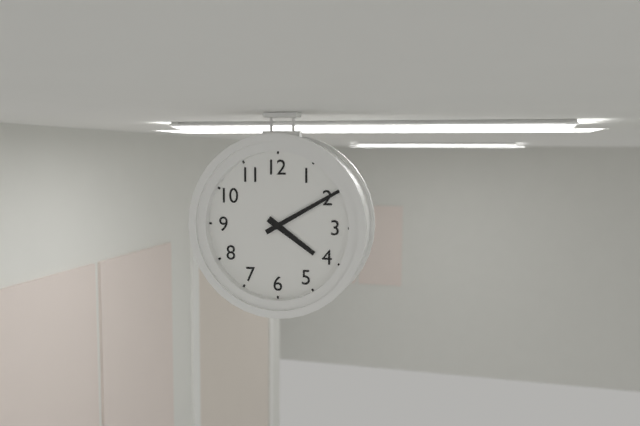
**4:10**
